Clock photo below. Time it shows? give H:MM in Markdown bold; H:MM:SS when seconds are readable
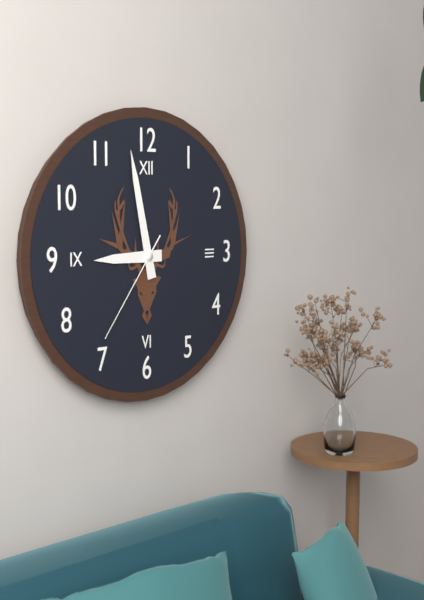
**8:58:36**
